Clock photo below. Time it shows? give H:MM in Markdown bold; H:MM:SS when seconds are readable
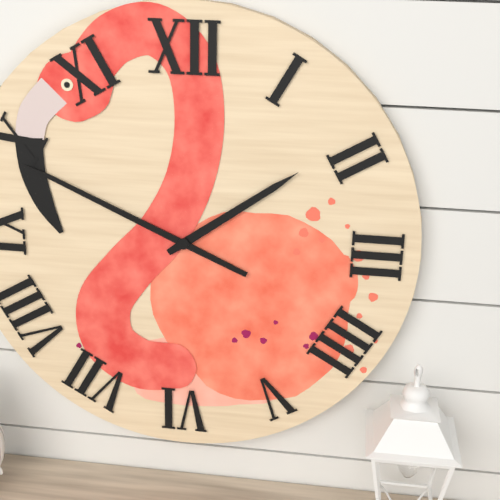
**1:49**
